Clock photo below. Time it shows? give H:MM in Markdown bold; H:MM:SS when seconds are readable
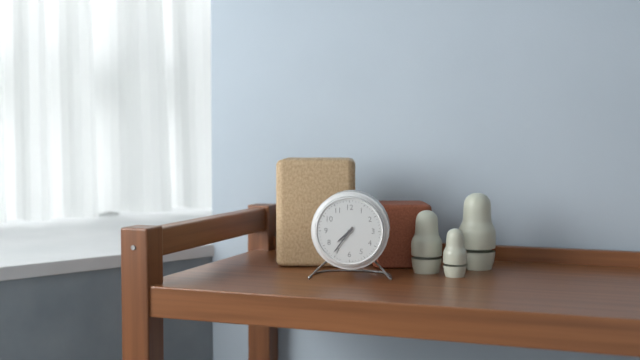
**7:36**
